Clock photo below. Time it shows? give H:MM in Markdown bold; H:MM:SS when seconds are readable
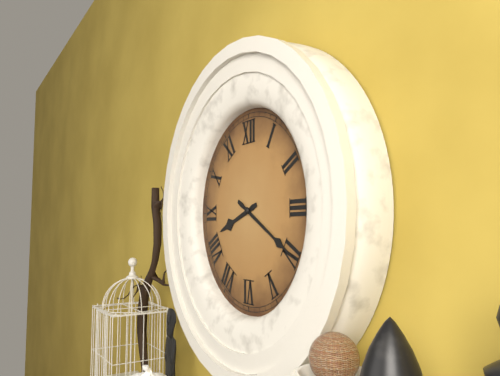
**8:20**
